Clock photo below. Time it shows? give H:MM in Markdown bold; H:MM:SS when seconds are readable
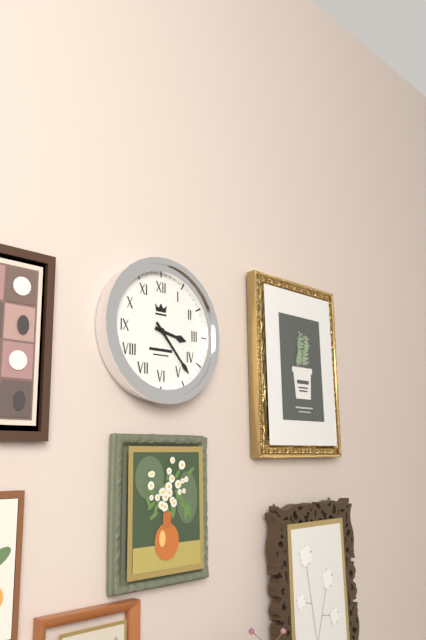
**3:23**
